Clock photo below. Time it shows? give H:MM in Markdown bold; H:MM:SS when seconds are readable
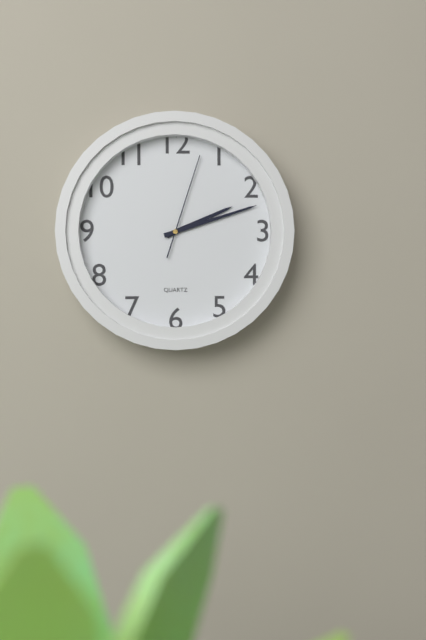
**2:12:03**
